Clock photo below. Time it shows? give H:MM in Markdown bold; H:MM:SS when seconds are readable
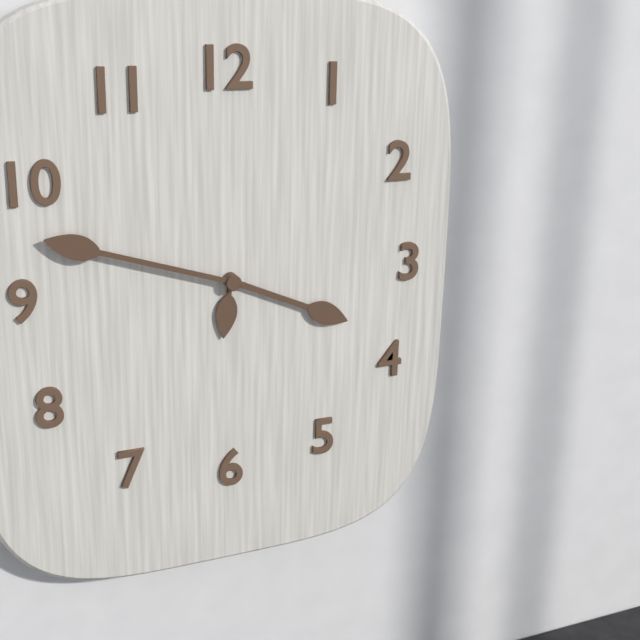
**3:48**
